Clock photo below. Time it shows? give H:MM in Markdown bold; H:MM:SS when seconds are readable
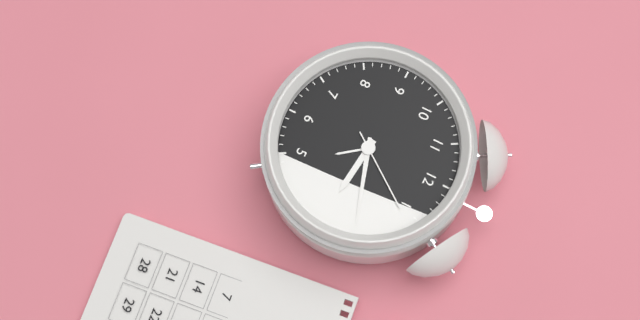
**3:12:06**
